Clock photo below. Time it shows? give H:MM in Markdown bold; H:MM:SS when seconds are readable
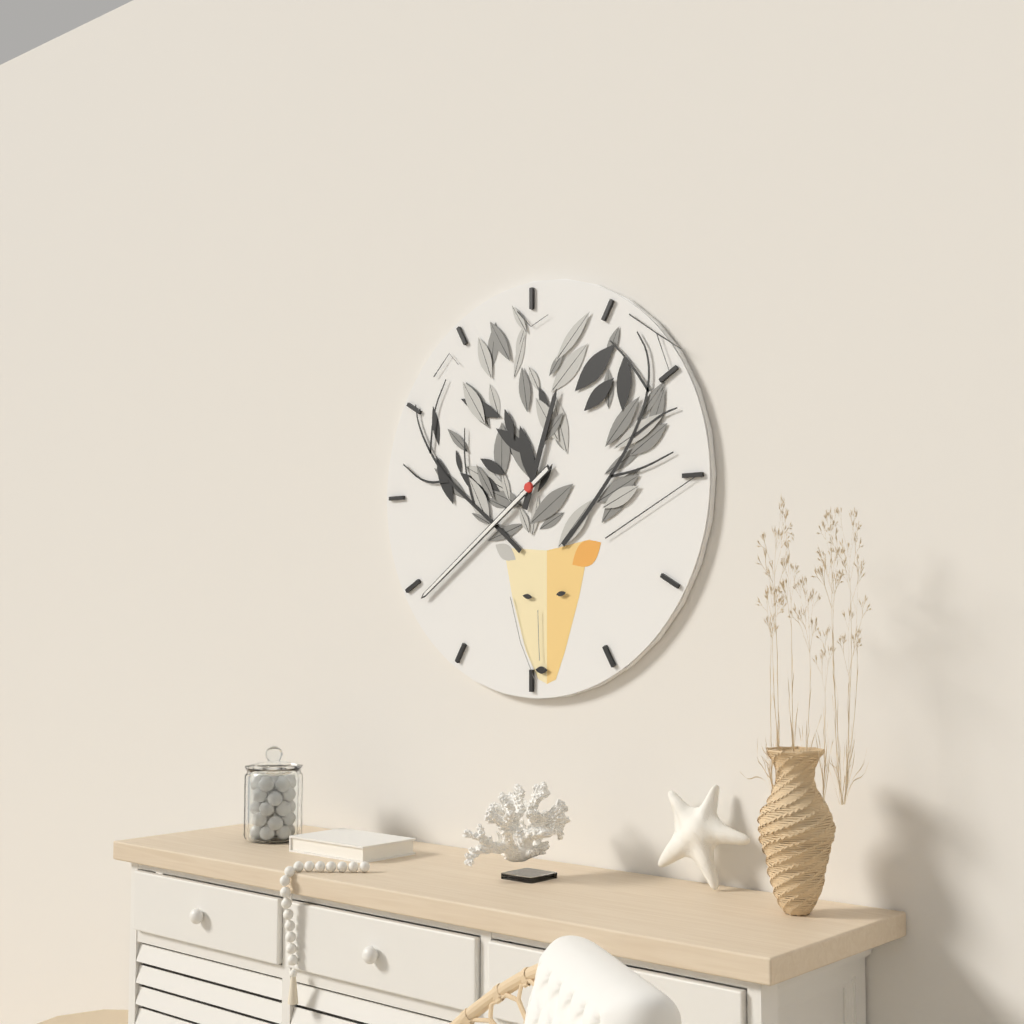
**12:39**
